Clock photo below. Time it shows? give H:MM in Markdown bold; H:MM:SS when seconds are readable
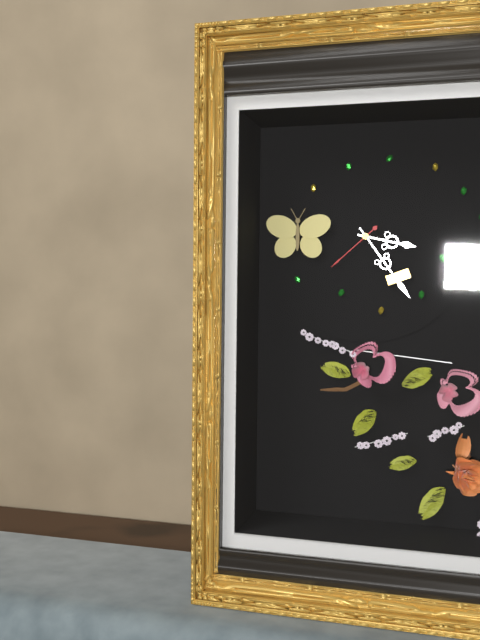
**3:24:38**
